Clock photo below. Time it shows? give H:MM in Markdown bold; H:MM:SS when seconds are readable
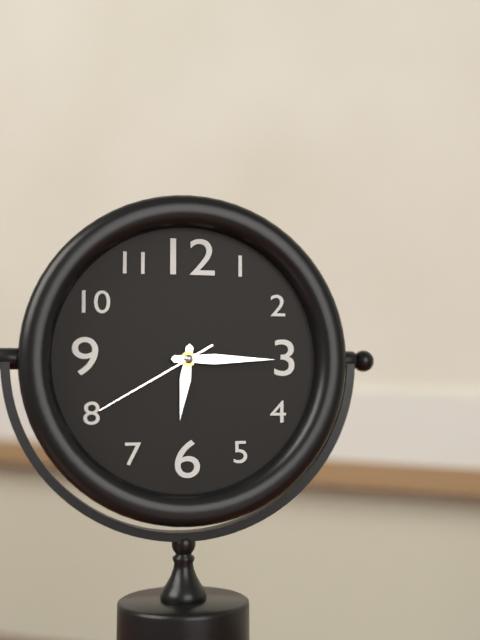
**6:15:40**
